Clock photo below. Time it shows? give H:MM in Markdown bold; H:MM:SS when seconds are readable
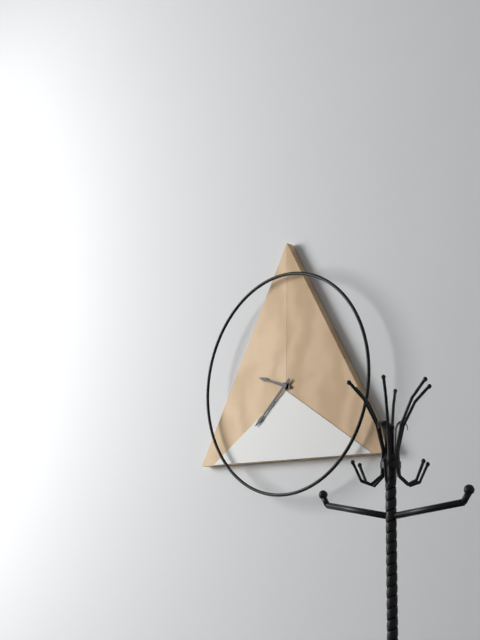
**9:38**
